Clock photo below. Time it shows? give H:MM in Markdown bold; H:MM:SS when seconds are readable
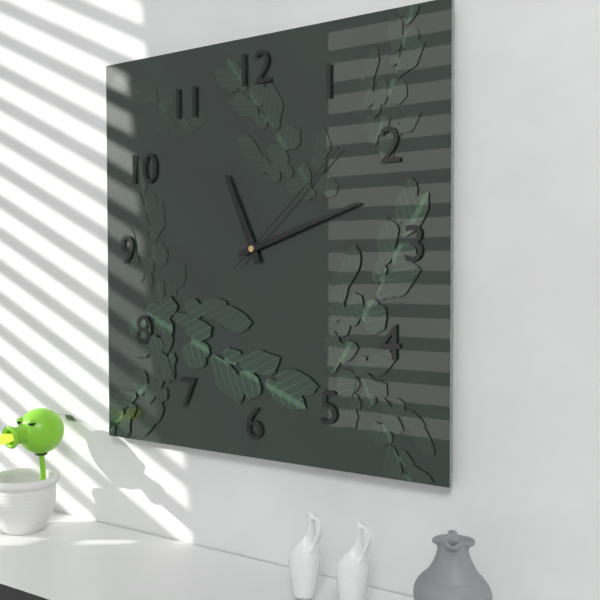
**11:12:08**
